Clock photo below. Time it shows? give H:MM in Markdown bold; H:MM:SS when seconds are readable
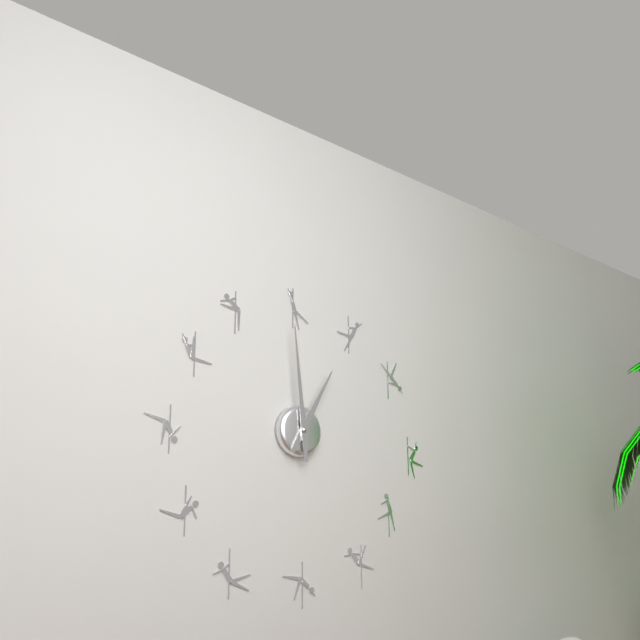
**12:59**
